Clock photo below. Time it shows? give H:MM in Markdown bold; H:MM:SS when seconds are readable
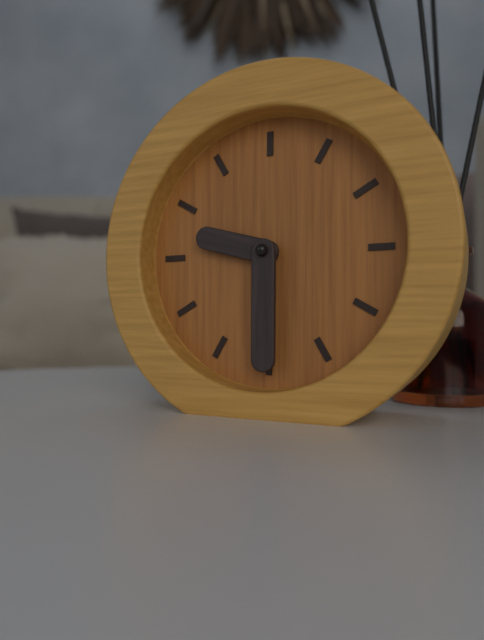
**9:30**
